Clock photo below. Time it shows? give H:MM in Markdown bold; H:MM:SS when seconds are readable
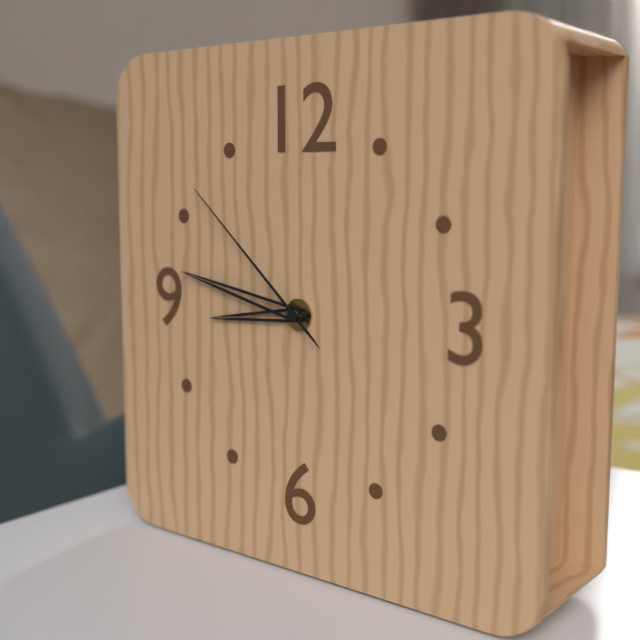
**8:47:52**
